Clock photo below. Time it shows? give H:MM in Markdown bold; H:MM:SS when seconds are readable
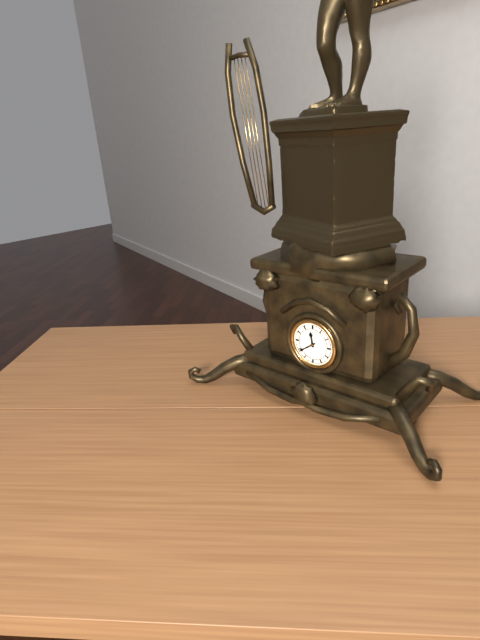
**11:39**
